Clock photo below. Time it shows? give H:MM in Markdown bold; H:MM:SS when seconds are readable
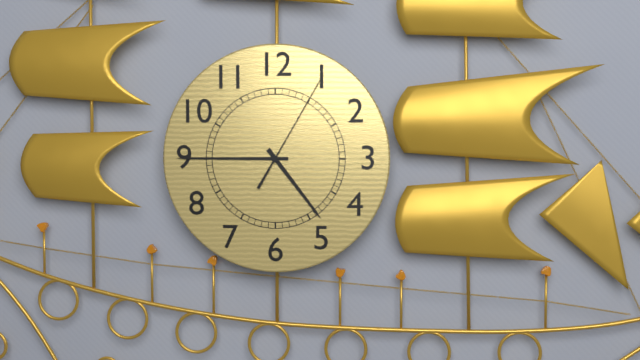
**4:45:05**
